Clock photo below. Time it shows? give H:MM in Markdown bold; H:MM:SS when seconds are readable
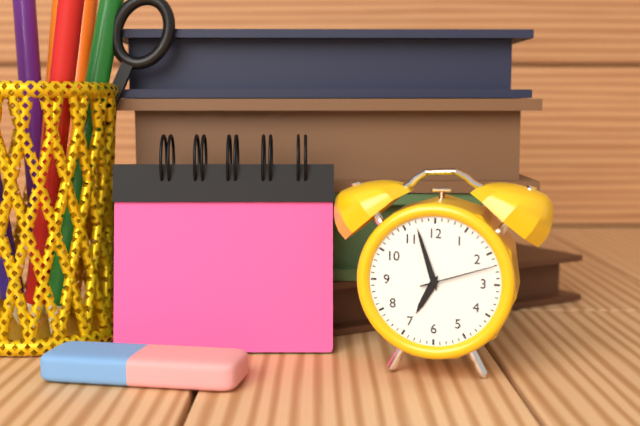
**6:57:12**
